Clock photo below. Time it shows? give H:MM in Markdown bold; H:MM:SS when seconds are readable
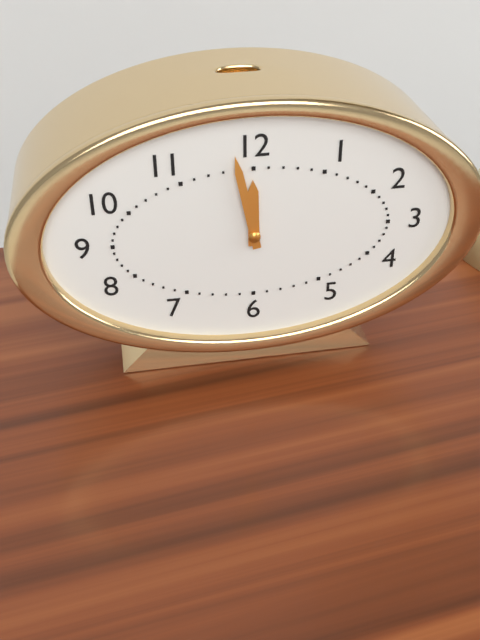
**11:58**
